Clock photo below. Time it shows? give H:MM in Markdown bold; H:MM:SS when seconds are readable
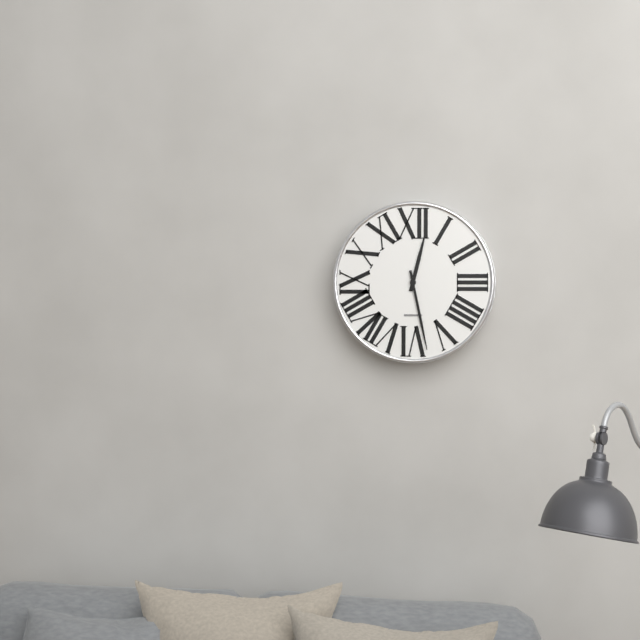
**12:28**
